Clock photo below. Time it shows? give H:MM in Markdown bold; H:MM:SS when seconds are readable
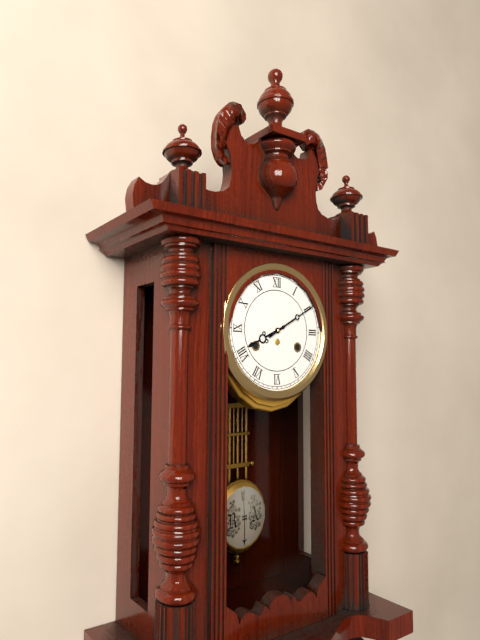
**8:10**
